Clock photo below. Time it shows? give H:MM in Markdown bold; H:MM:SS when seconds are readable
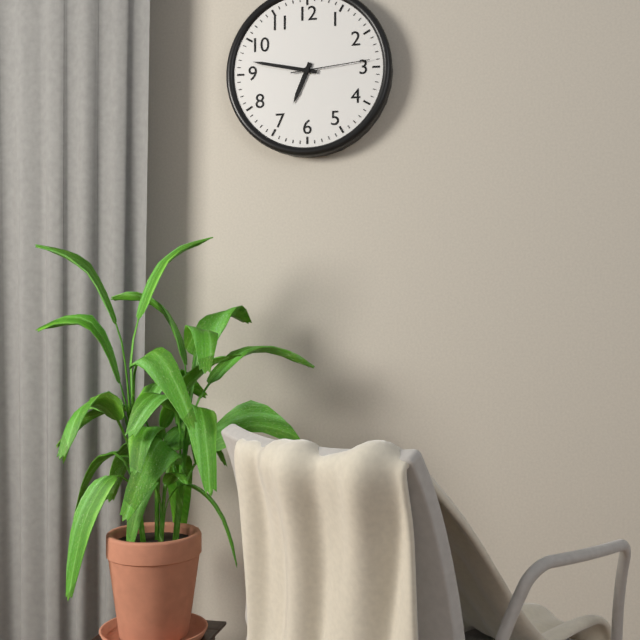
**6:47:14**
